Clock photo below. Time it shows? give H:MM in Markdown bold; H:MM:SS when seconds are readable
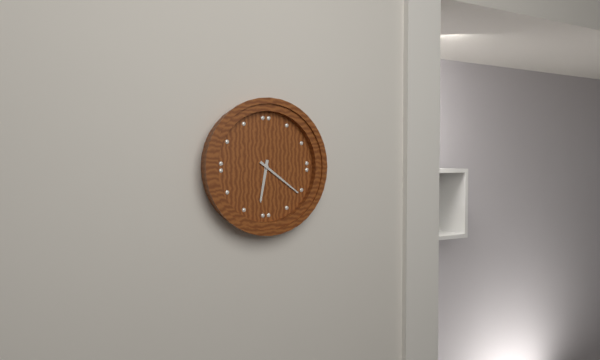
**6:21**
